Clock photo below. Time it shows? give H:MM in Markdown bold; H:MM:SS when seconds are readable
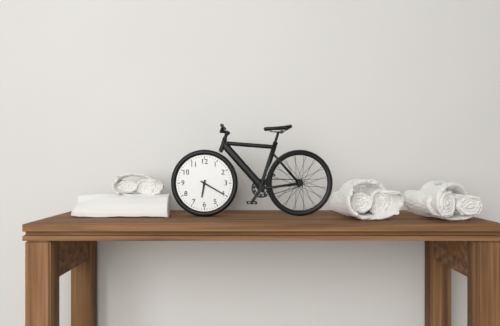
**6:20**
